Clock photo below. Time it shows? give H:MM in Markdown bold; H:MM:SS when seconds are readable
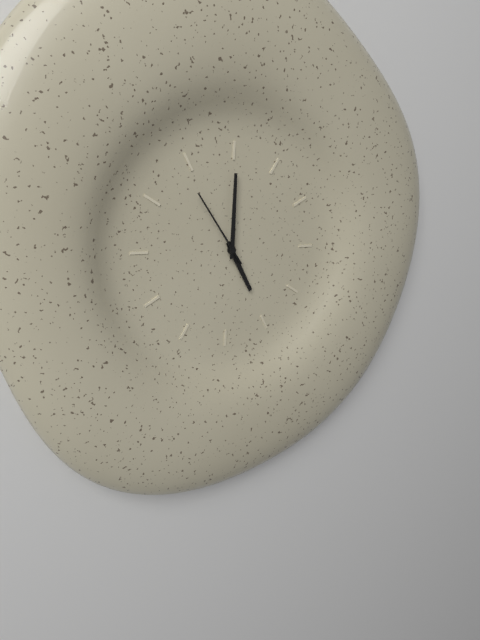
**5:00:54**
